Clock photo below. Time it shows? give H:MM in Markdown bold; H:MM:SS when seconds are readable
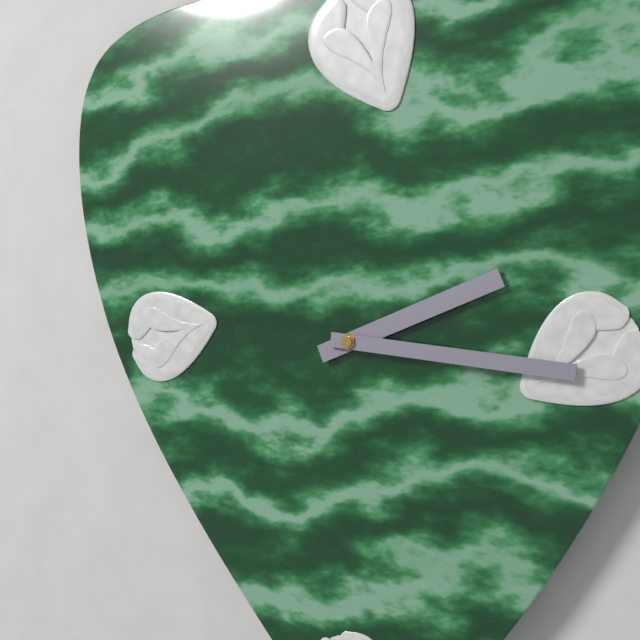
**2:16**
